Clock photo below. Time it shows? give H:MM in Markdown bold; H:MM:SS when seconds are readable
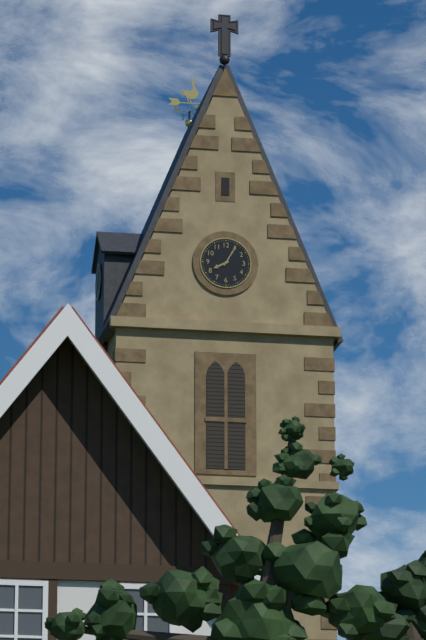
**8:05**
